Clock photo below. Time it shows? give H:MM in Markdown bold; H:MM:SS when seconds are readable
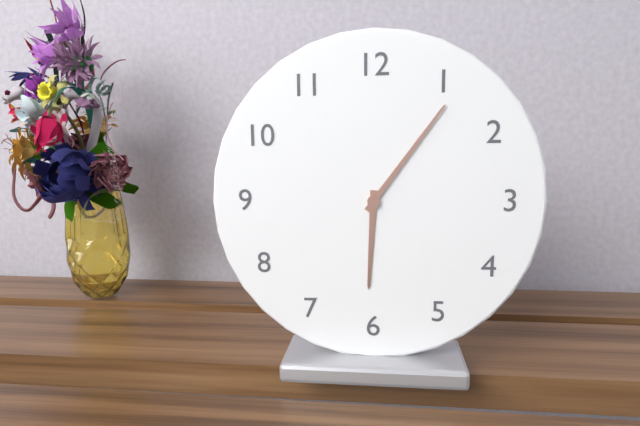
**6:06**
